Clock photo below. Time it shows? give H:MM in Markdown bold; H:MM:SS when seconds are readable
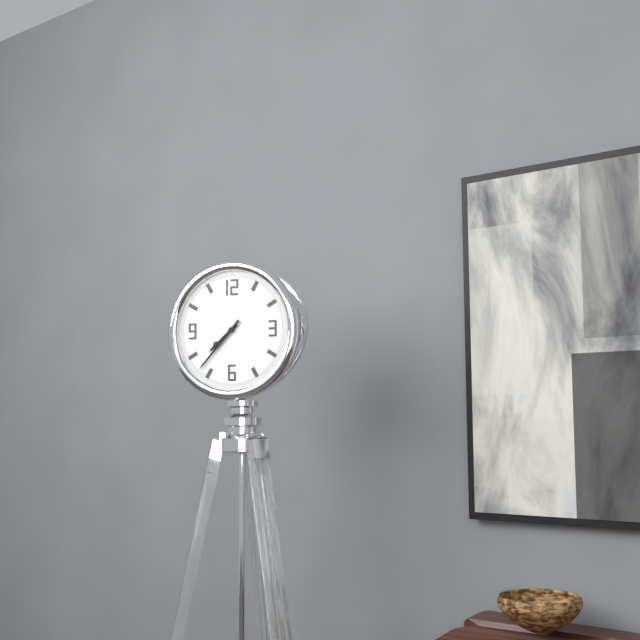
**7:37**
